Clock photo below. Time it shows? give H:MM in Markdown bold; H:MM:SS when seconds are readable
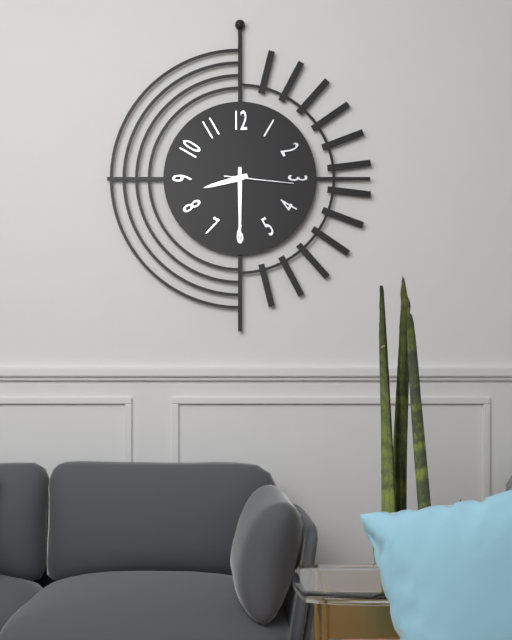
**8:30:16**
